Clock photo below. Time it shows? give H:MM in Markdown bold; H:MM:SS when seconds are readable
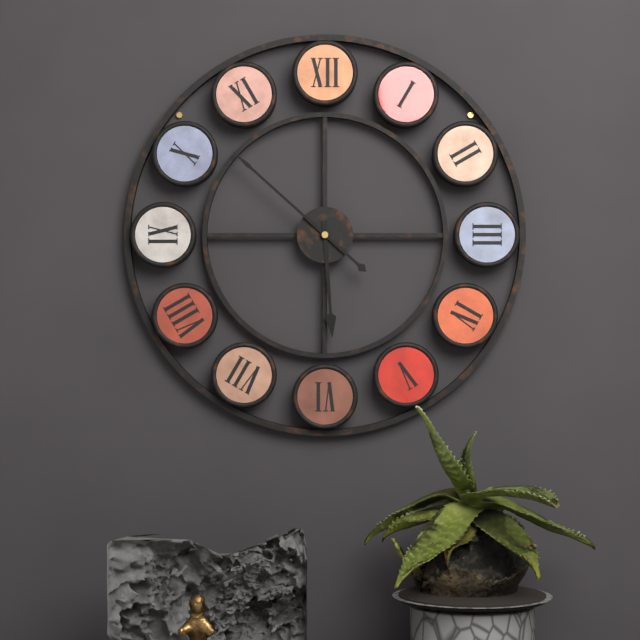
**5:52**
